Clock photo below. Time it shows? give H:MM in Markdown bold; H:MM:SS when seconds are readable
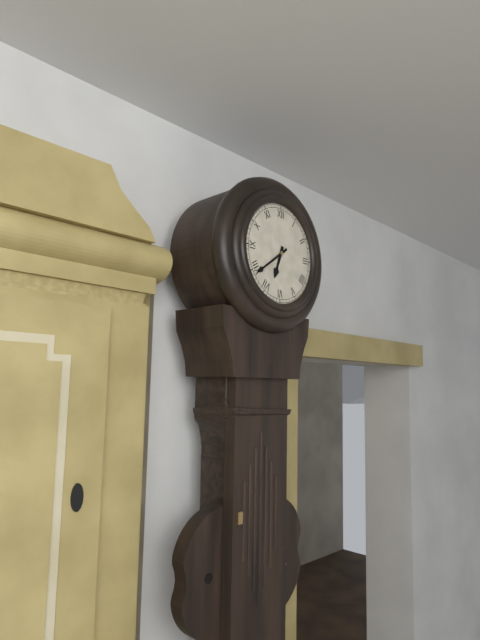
**6:39**
